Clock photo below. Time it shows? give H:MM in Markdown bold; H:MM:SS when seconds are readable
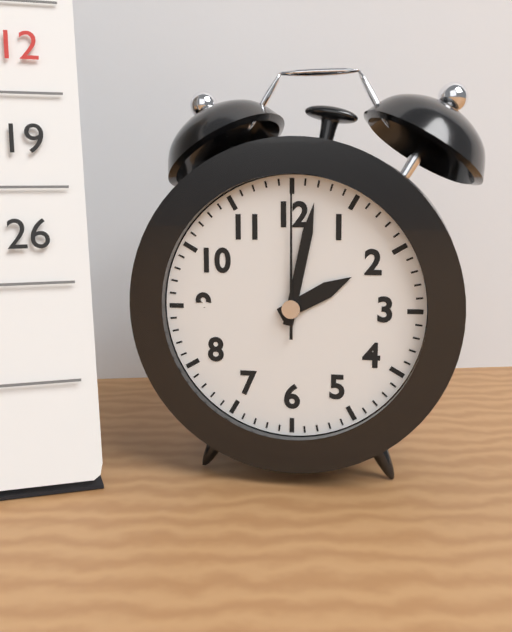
**2:02:00**
